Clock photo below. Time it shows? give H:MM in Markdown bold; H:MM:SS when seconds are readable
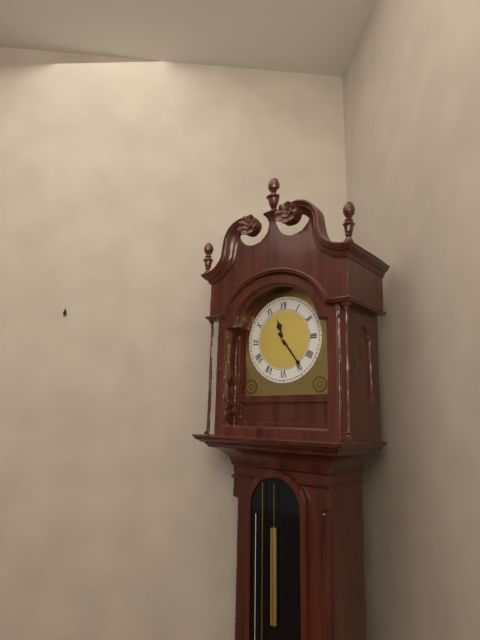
**11:24**
